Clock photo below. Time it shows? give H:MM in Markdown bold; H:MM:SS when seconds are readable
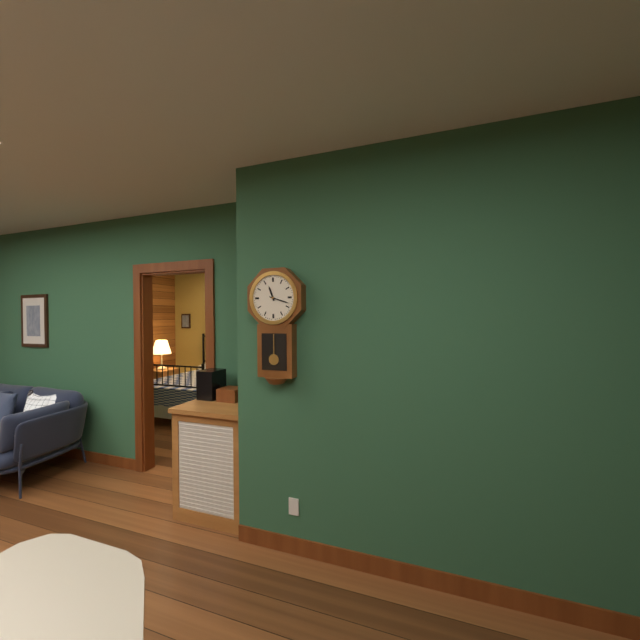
**11:18**
